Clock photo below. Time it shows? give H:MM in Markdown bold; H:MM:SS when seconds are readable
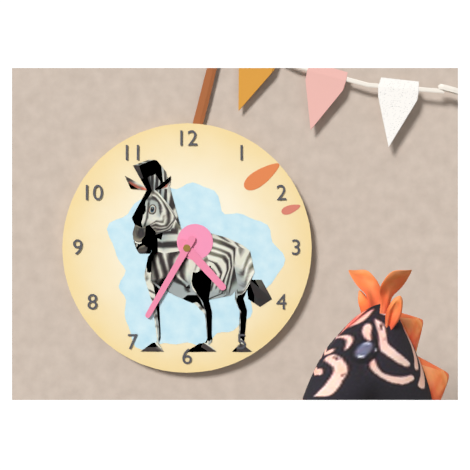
**4:35**
